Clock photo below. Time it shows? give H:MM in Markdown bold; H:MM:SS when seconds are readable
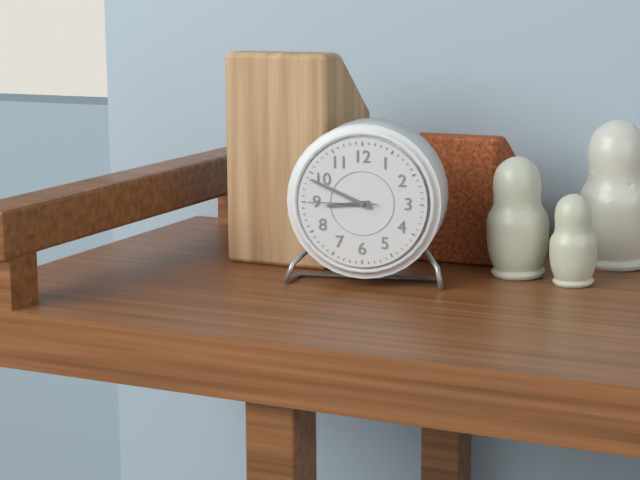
**8:49:45**
